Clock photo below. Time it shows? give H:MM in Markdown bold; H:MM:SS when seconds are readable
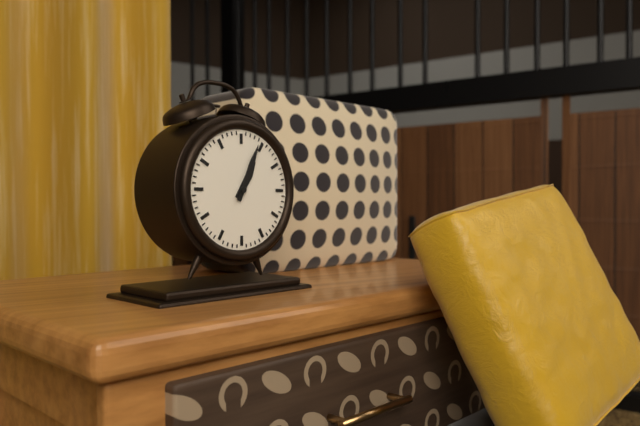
**1:04**
